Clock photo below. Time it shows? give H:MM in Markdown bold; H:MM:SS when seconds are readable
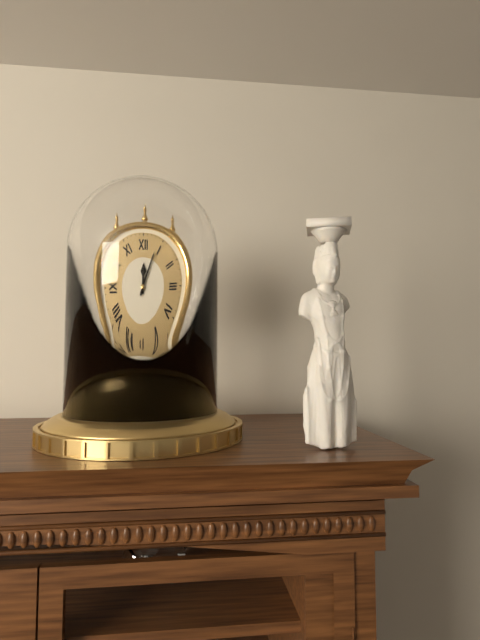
**12:04**
